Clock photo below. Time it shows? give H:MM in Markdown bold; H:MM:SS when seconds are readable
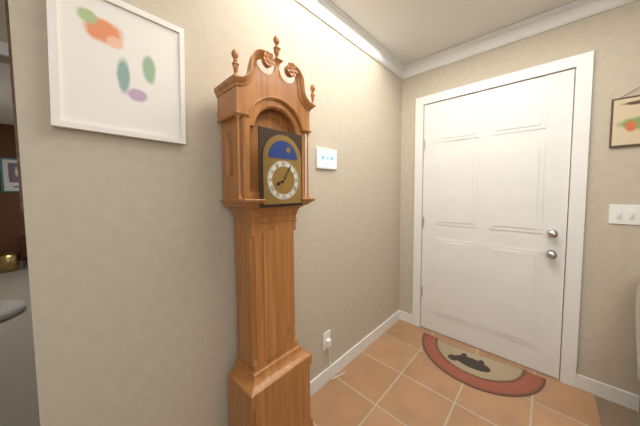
**8:05**
